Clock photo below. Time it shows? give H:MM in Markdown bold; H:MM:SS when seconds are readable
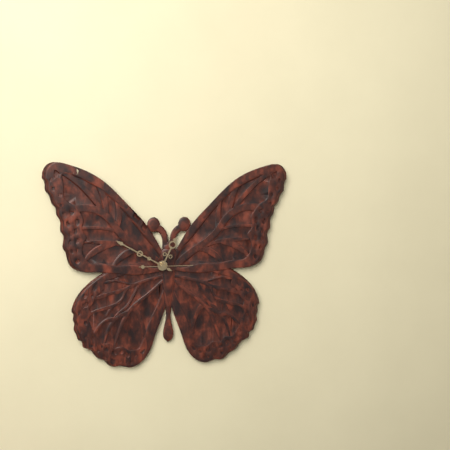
**12:50**
